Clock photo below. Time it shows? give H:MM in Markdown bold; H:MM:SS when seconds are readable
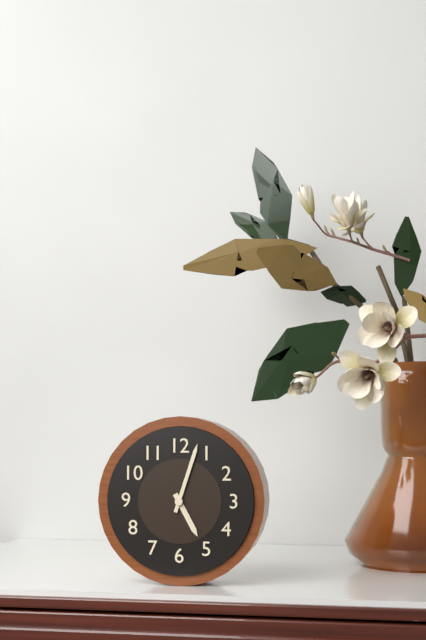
**5:03**
